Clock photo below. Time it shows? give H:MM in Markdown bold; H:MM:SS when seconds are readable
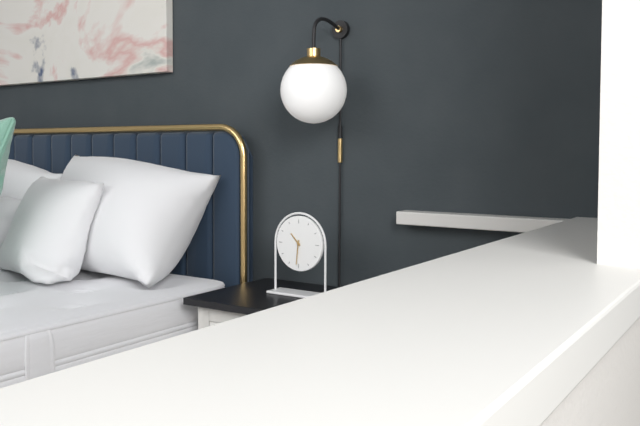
**10:31**
